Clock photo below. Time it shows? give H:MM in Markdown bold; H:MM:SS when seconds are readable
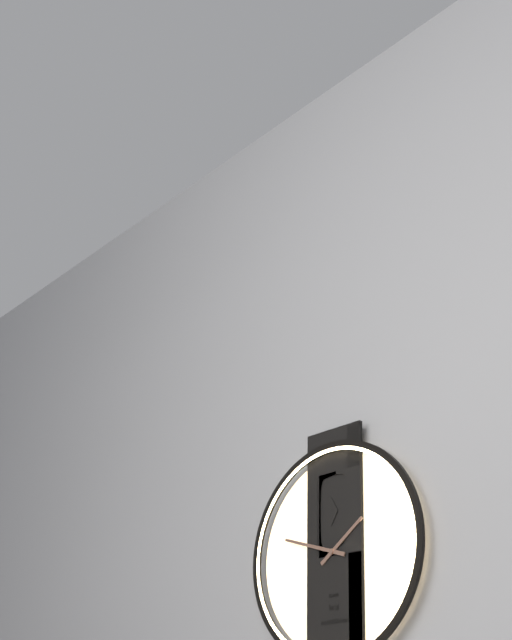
**1:48**
